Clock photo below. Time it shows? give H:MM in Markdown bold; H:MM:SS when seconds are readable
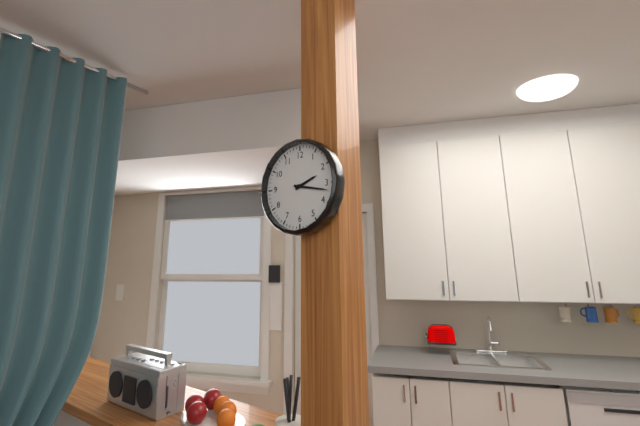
**2:17**
